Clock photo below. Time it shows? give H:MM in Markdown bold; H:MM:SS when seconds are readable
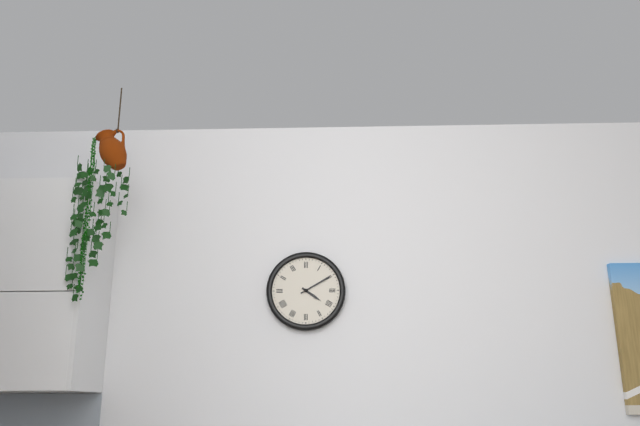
**4:10**
